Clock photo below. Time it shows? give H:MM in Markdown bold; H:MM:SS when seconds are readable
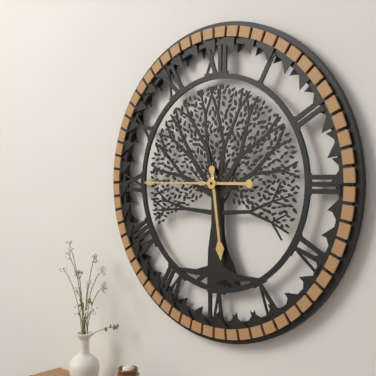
**5:45**
